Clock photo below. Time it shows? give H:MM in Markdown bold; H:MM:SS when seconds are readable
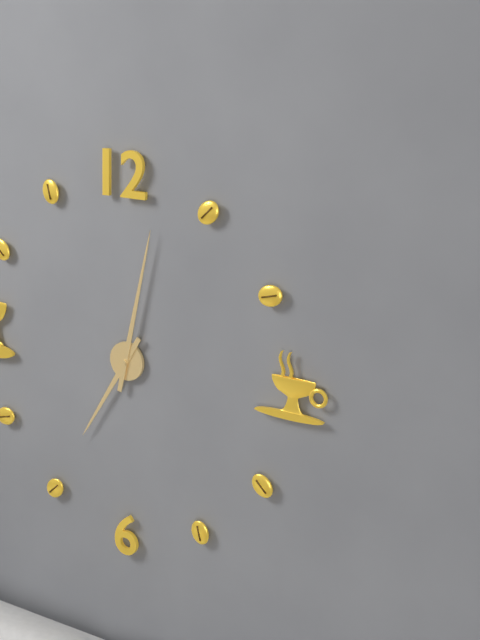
**7:02**
